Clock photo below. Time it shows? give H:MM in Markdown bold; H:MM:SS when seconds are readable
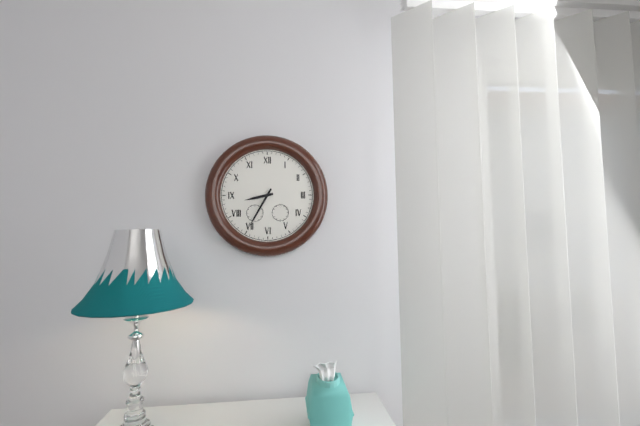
**8:35**
